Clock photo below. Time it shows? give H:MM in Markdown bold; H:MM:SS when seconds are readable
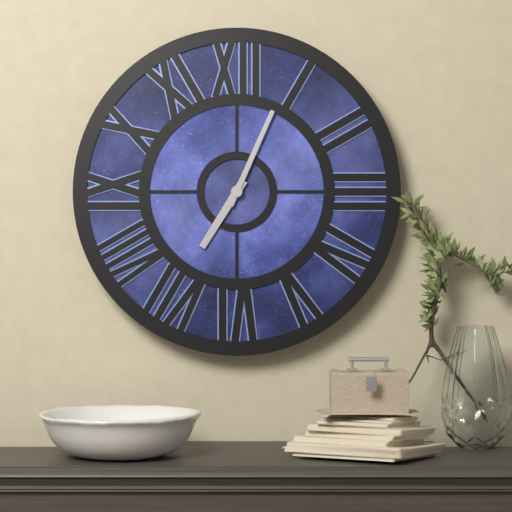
**7:04**
